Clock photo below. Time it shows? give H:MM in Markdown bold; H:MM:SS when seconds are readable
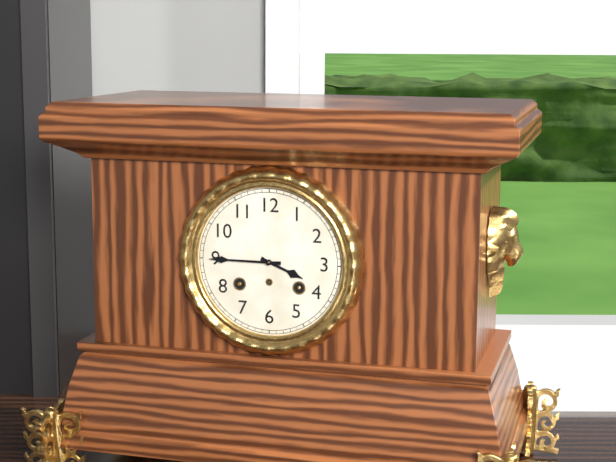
**3:45**
